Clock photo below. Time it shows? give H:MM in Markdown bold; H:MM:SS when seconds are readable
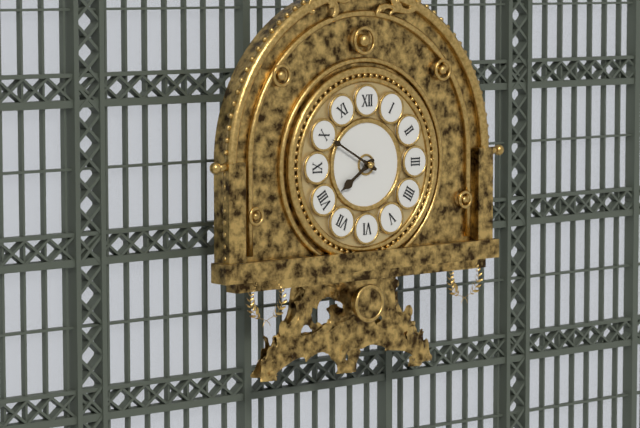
**7:50**
